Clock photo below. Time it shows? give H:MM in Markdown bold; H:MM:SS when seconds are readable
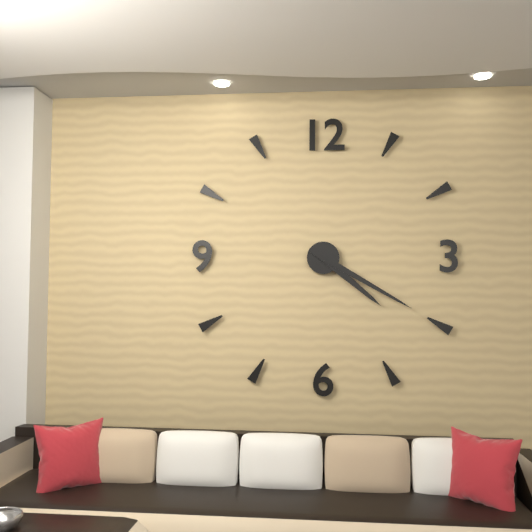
**4:20**
